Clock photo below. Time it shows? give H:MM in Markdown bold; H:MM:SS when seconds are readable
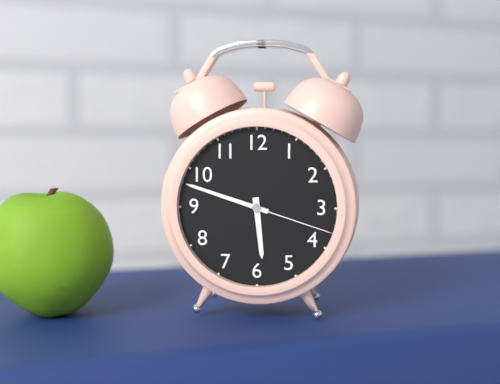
**5:48:18**
